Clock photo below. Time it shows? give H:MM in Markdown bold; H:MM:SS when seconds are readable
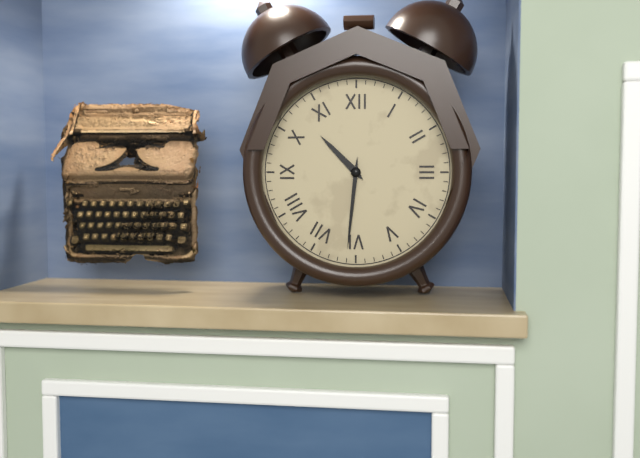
**10:31**
